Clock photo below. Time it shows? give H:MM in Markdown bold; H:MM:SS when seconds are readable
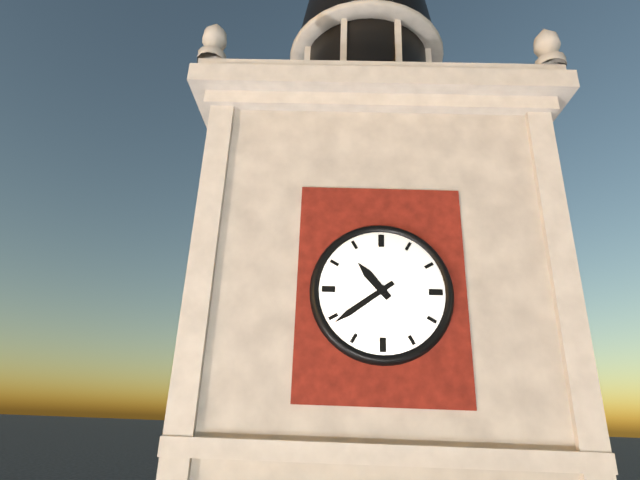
**10:39**
